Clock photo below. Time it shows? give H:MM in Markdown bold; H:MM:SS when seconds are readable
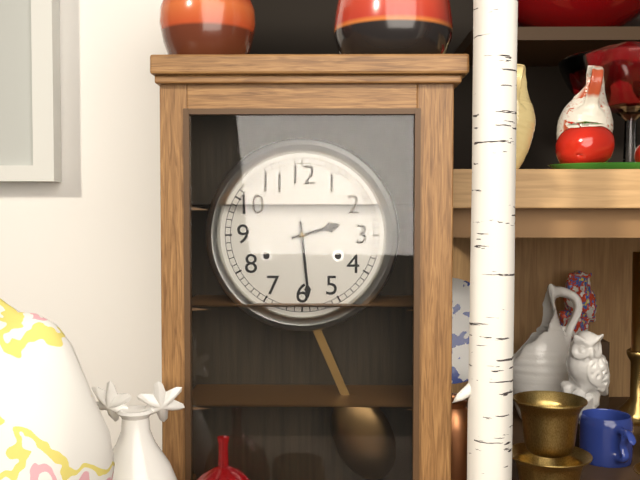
**2:29**
